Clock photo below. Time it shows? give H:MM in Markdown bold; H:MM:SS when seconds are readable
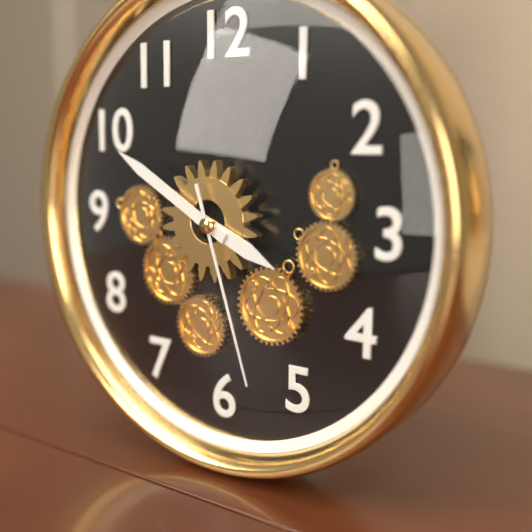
**3:50:27**
